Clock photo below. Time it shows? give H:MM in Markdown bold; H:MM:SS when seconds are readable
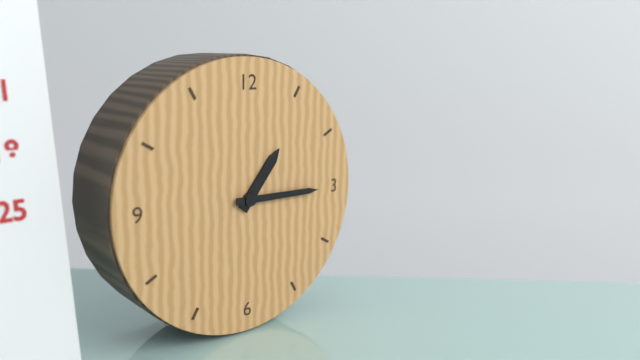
**1:15**
